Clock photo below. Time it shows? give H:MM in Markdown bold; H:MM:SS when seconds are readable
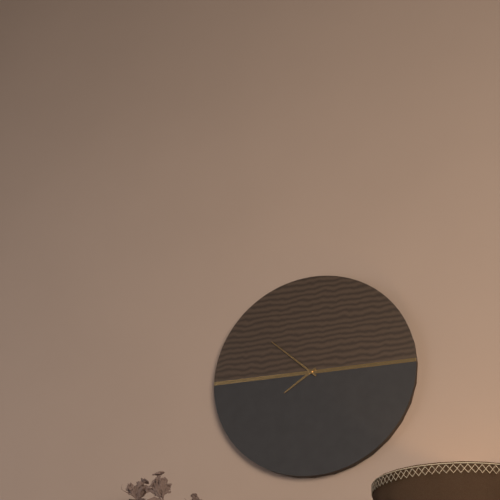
**7:52**
